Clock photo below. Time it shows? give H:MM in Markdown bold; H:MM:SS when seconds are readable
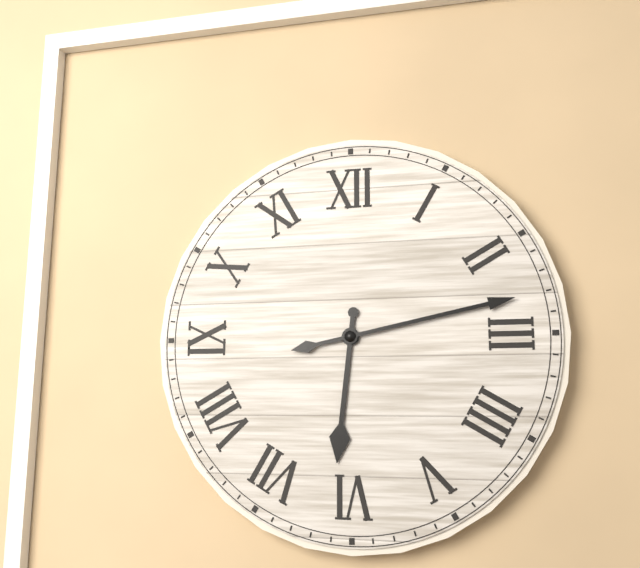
**6:13**
